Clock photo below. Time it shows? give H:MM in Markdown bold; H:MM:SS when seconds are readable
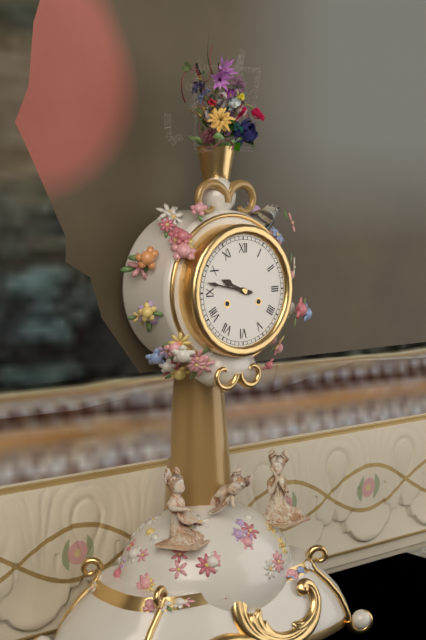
**9:47**
